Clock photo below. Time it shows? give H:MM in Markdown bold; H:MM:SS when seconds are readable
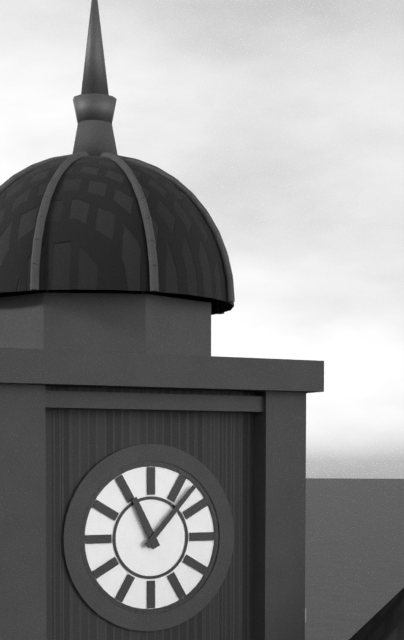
**11:07**
